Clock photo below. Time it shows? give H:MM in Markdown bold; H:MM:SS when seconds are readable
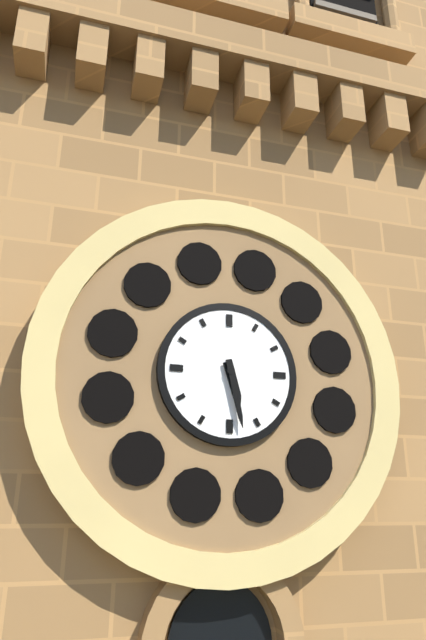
**5:28**
